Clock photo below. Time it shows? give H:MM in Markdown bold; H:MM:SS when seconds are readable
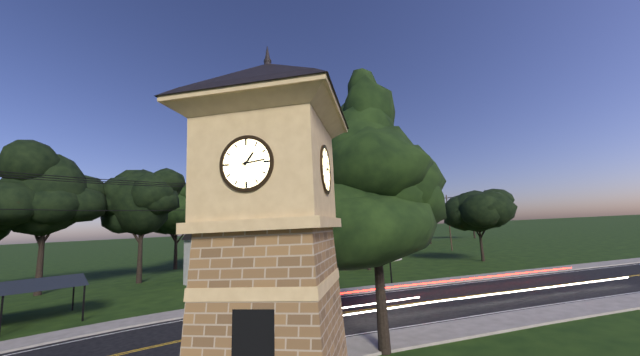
**1:14**
